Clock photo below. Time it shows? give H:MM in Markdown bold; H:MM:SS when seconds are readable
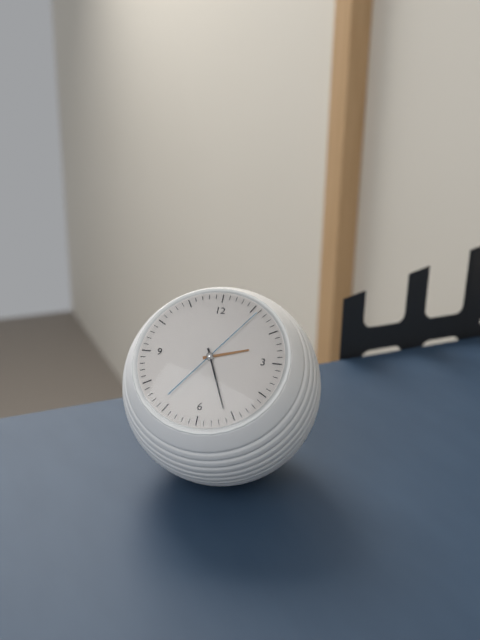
**2:26:06**
